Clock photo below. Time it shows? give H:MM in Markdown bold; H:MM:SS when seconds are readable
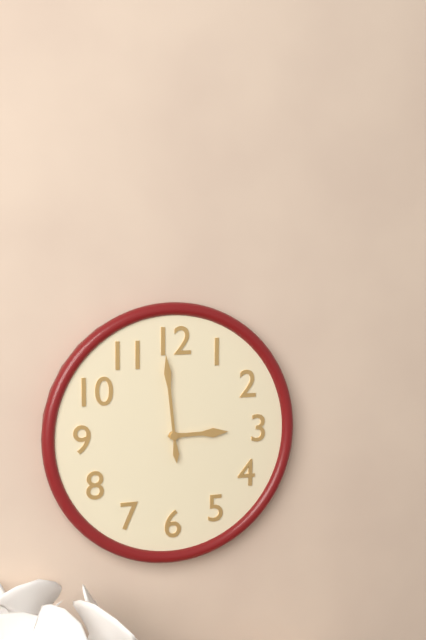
**2:59**
